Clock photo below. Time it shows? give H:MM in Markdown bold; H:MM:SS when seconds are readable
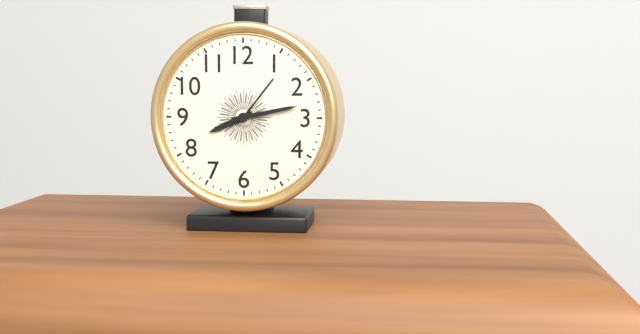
**8:13**
